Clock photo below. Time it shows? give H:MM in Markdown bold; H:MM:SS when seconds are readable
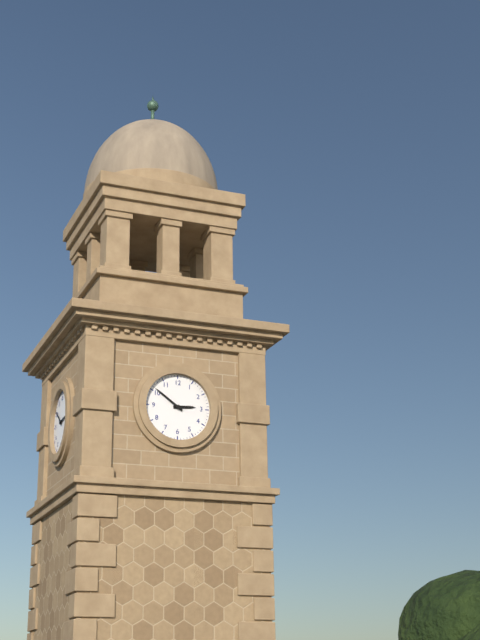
**2:51**
